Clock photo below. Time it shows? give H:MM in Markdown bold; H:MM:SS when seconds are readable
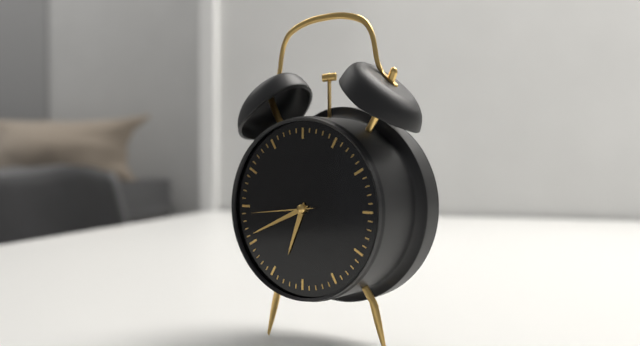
**6:41:44**
